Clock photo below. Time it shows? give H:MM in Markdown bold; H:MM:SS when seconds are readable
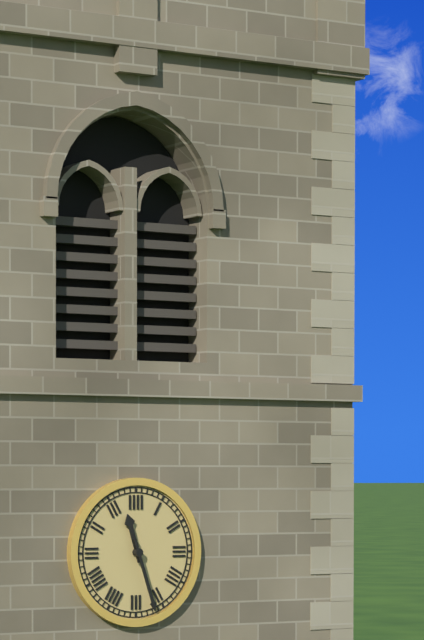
**11:27**
